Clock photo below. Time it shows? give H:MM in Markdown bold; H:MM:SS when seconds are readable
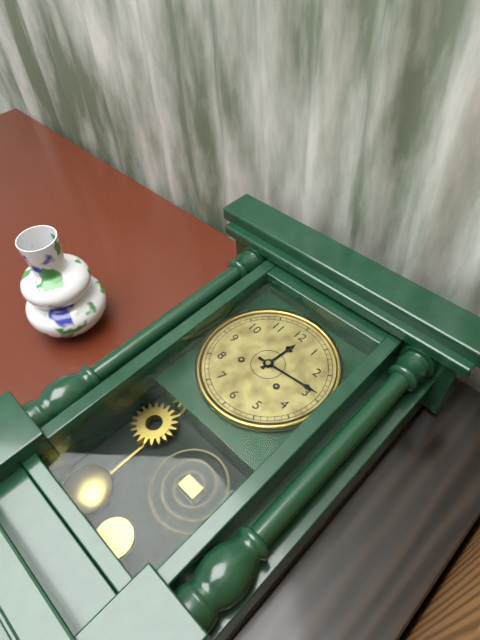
**12:14**
